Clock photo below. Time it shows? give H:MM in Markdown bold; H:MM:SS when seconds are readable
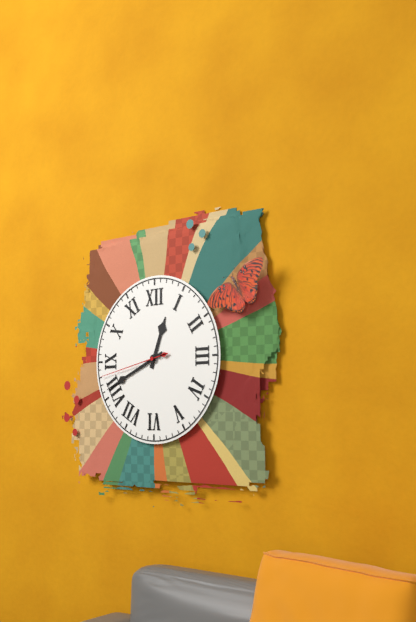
**12:41:43**
